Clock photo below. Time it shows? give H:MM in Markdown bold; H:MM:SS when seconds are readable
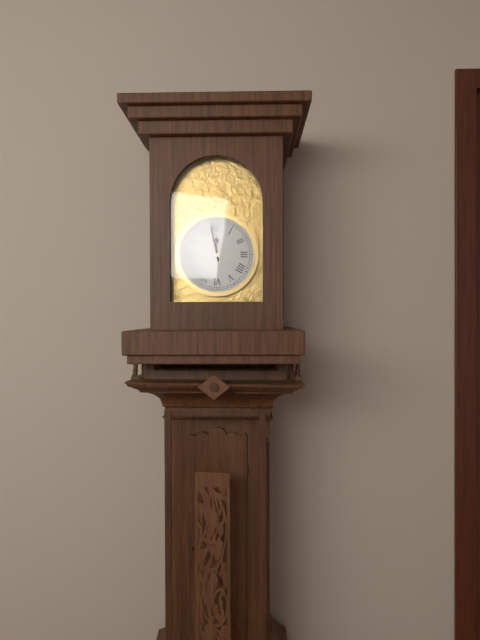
**11:58**
